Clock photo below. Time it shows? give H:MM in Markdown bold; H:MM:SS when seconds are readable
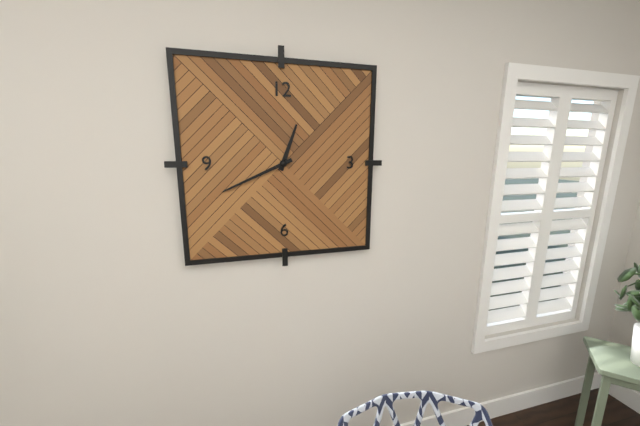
**12:41**
